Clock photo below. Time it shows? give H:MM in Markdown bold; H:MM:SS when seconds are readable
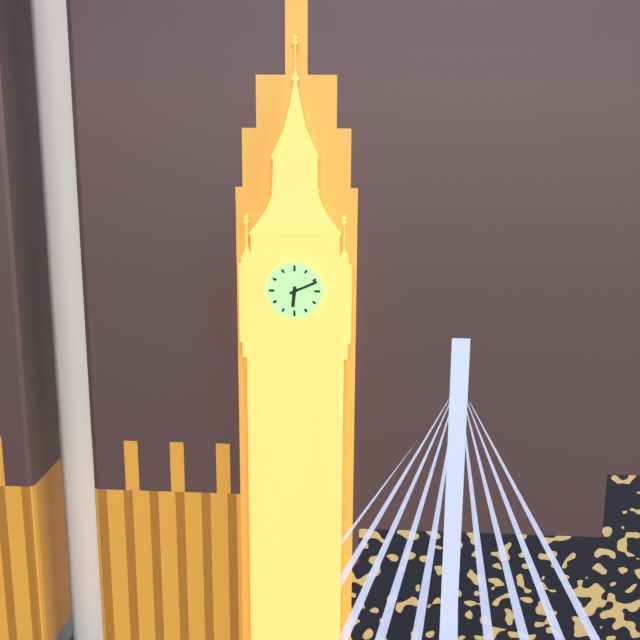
**6:11**
